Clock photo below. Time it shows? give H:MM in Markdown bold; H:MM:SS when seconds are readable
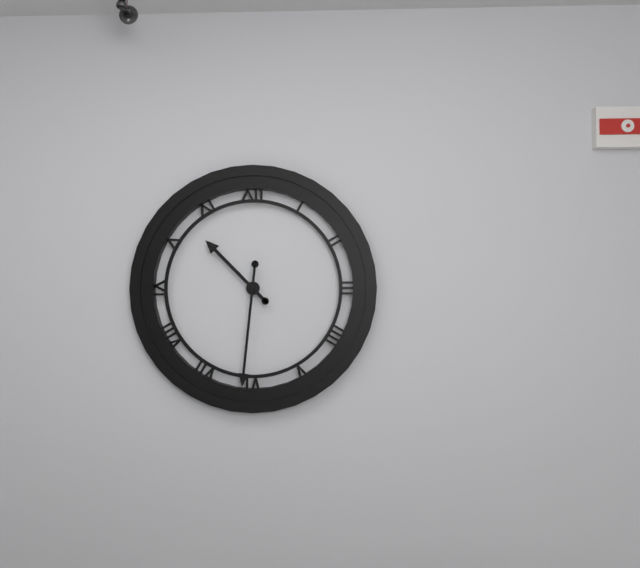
**10:31**
